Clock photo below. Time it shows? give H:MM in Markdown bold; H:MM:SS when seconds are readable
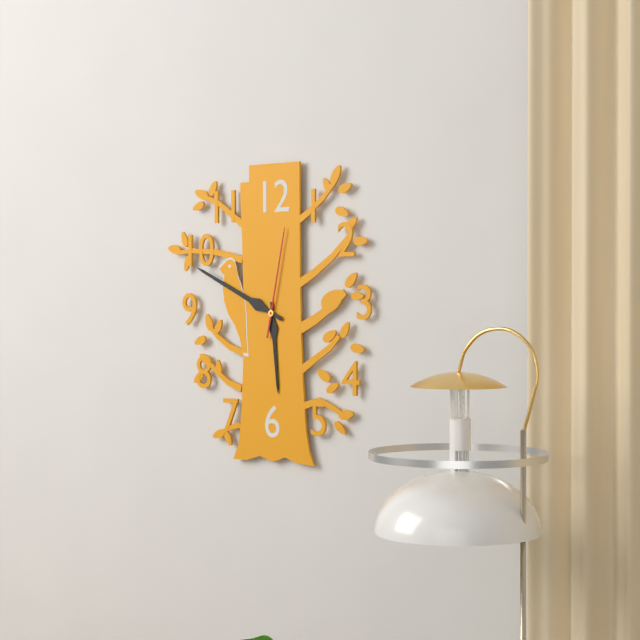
**5:49:02**
